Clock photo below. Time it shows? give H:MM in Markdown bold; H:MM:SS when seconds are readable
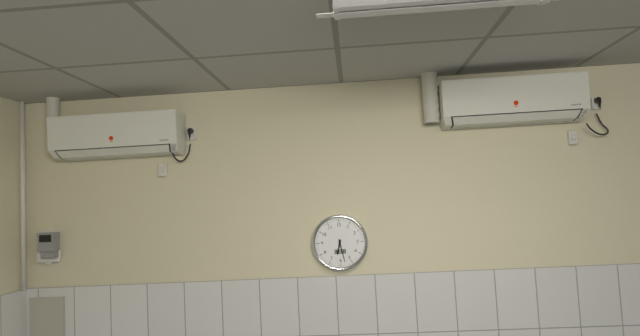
**6:28**
